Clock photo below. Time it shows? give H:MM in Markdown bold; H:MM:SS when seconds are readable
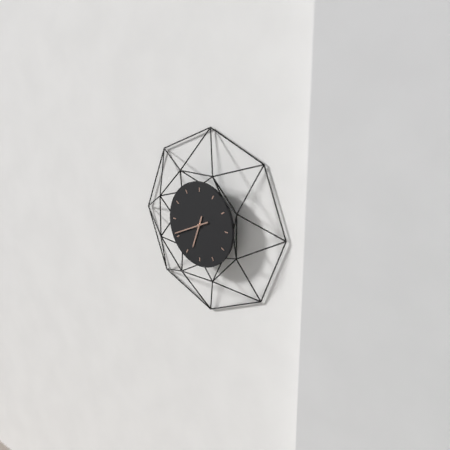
**6:41**
